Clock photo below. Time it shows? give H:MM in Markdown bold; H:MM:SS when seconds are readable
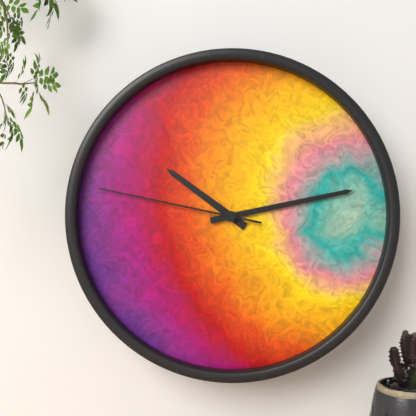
**10:13:47**
